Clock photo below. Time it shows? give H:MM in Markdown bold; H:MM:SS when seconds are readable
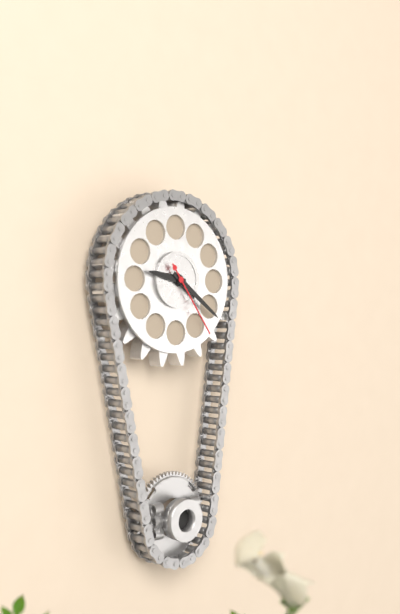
**9:21:24**
